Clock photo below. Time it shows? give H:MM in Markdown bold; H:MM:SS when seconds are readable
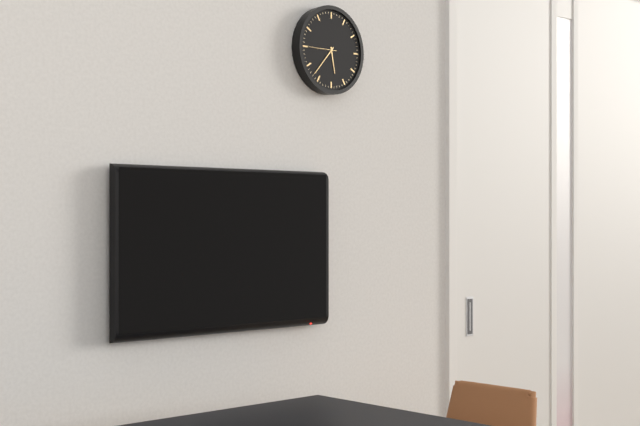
**5:37**
